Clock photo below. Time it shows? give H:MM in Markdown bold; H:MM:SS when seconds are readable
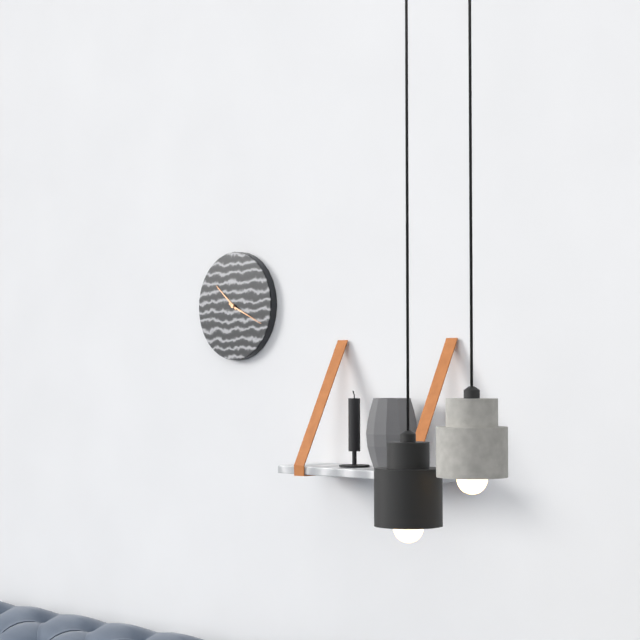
**10:19**
